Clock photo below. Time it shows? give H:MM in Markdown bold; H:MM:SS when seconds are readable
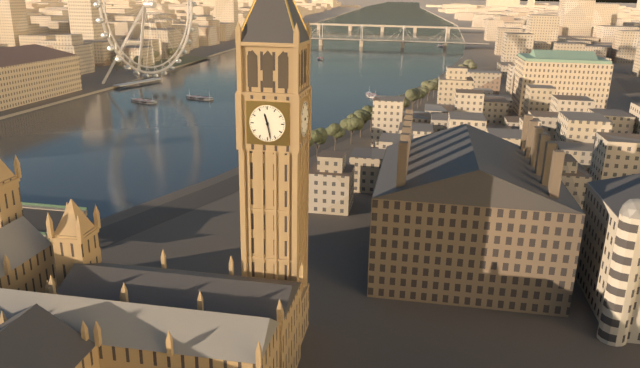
**11:28**
